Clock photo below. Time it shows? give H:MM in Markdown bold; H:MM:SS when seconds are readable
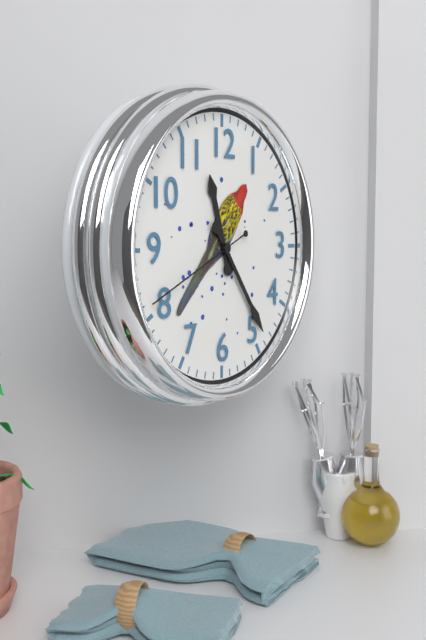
**11:24:41**
